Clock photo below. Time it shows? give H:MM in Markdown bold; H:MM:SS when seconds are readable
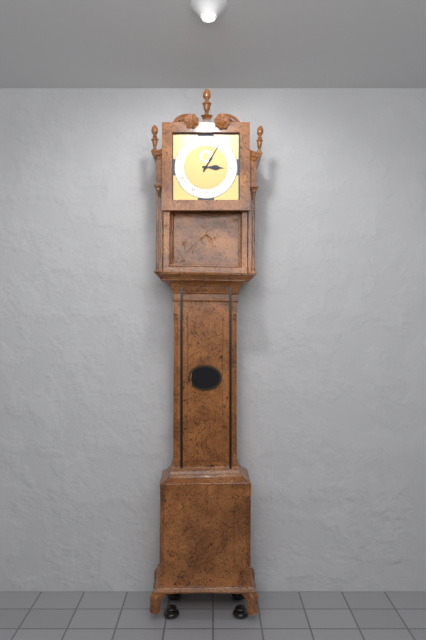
**3:05**
